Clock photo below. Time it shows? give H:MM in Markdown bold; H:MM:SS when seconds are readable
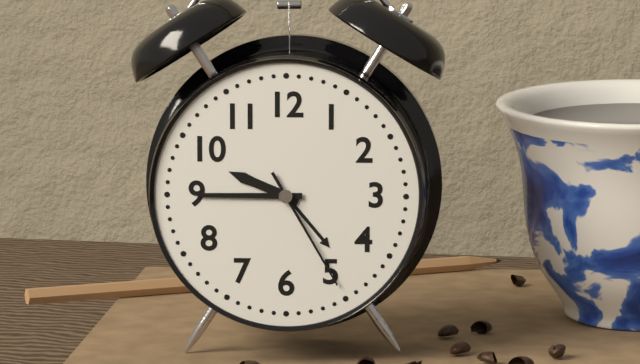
**9:45:25**
